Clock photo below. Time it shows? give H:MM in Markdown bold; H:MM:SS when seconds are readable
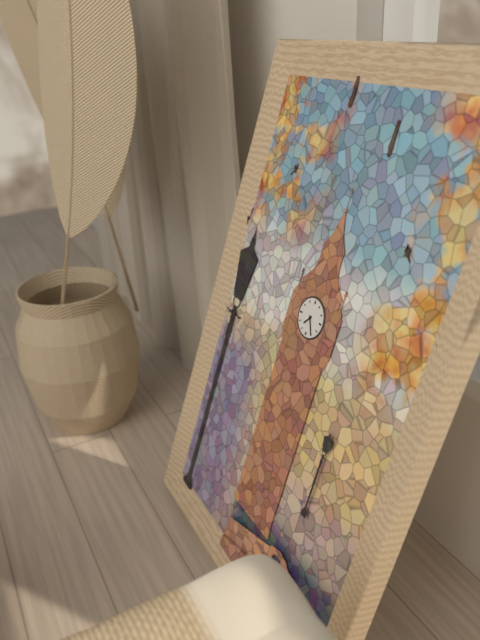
**7:25**
